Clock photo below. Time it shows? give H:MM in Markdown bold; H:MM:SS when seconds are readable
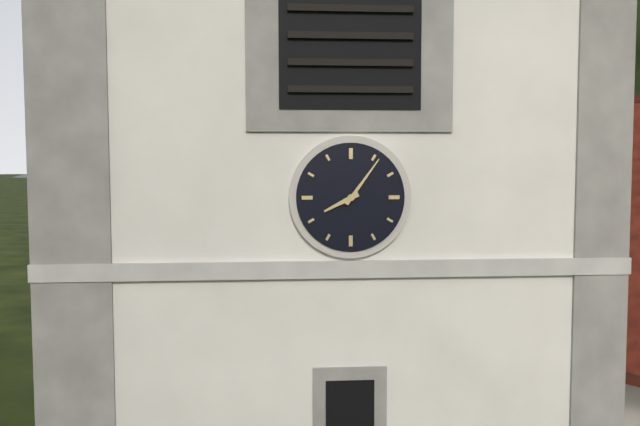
**8:06**
